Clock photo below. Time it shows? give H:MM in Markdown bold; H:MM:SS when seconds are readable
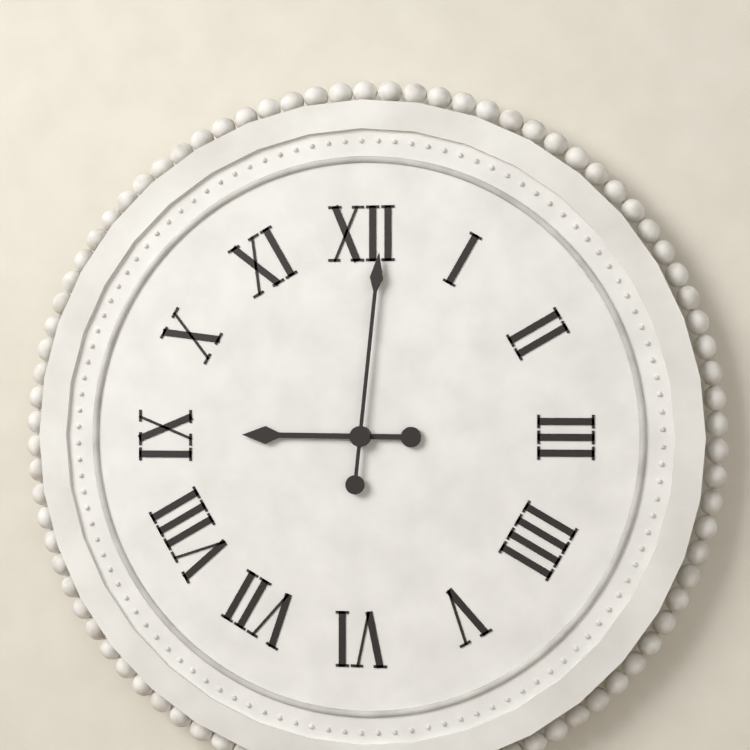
**9:01**
